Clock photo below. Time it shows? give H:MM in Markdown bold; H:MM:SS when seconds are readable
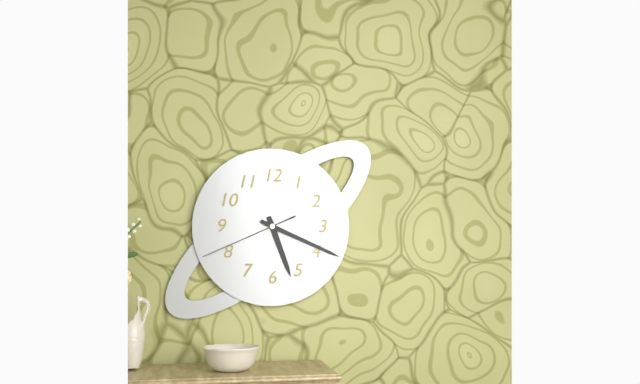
**5:19:41**
